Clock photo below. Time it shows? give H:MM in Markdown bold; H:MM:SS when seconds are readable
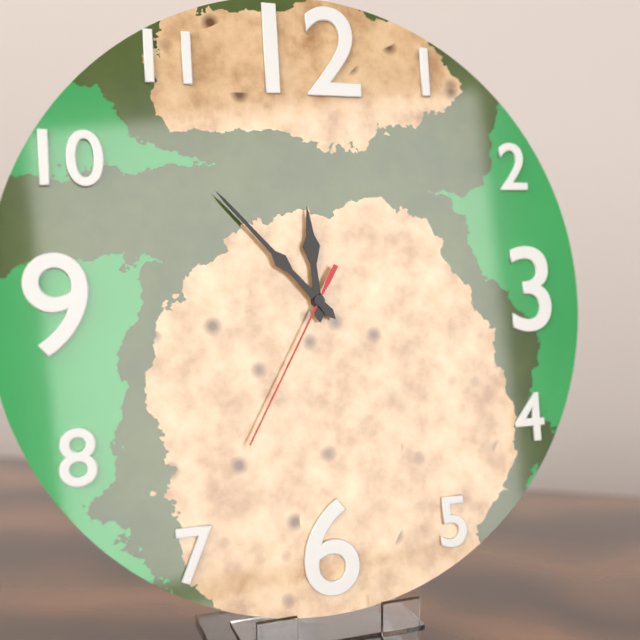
**11:53:35**
